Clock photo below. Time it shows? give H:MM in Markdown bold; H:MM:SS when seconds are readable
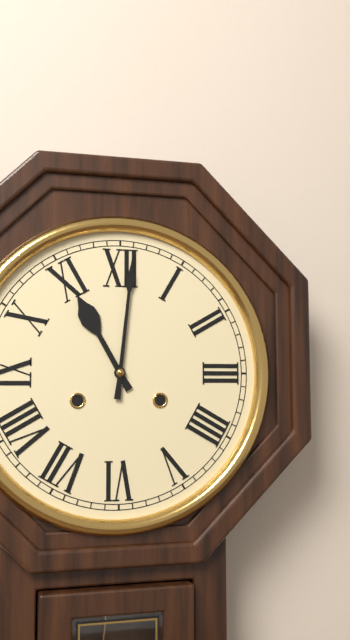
**11:01**
